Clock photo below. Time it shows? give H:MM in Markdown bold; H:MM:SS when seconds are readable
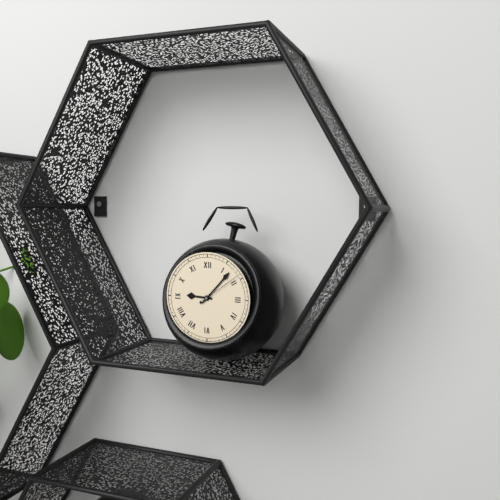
**9:07**
